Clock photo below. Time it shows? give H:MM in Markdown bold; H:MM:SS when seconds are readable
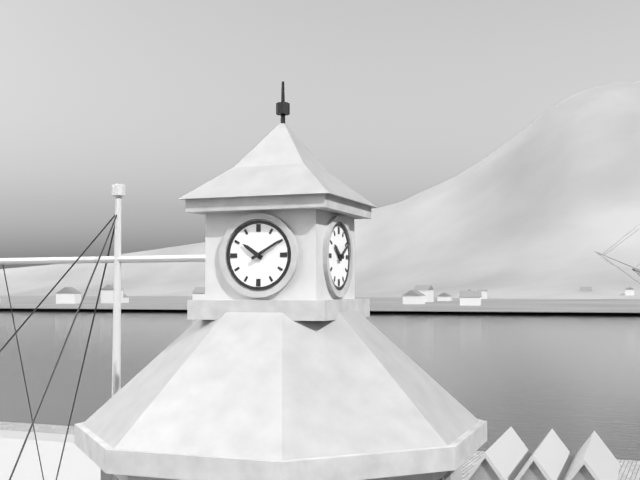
**10:10**
